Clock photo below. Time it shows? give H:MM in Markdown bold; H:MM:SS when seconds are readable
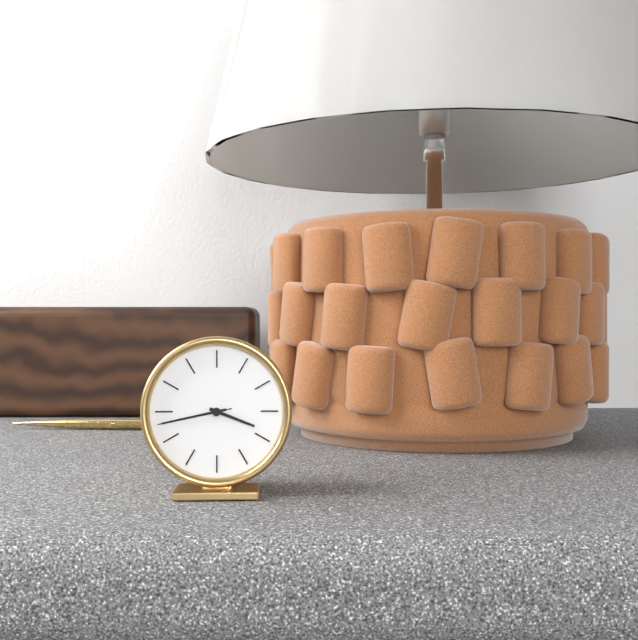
**3:43:43**
